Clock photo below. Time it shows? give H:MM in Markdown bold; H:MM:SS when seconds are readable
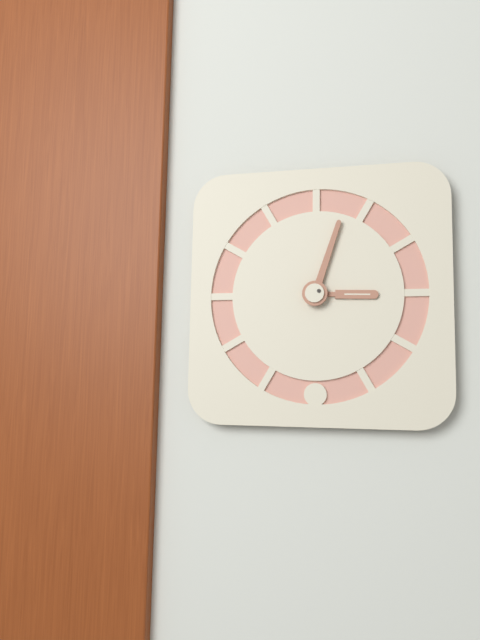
**3:03**
